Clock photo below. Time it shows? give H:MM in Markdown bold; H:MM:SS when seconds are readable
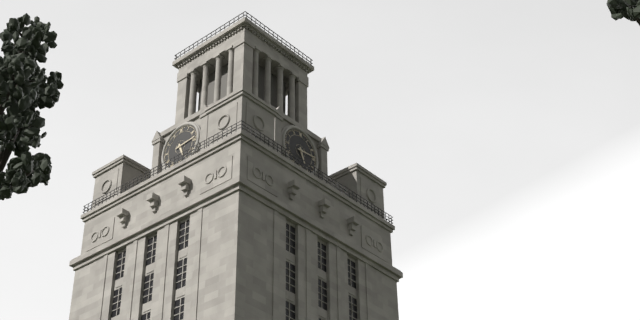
**5:14**
